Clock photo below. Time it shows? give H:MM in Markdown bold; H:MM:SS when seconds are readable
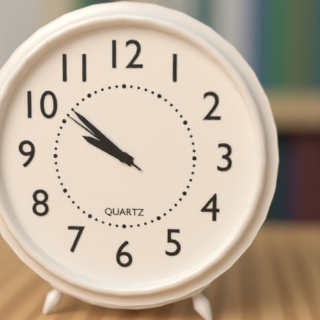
**9:52:51**
